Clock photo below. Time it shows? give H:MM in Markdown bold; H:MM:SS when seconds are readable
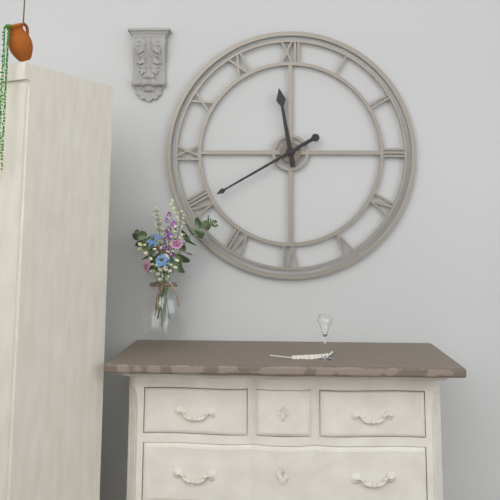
**11:40**
